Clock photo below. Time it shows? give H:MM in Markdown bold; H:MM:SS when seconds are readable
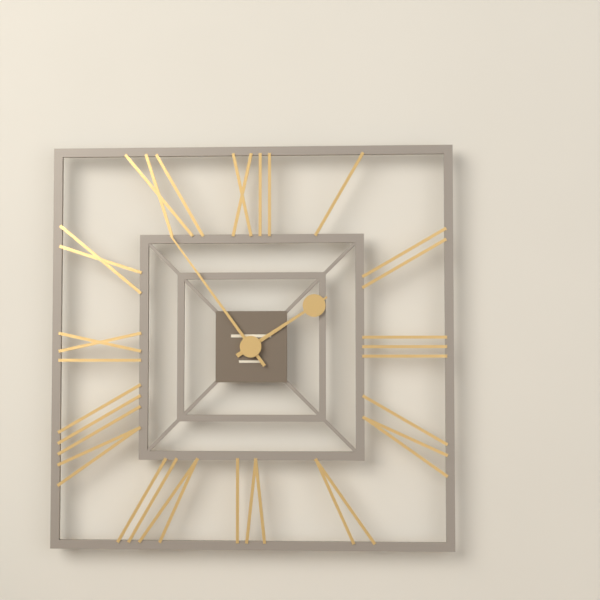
**1:54**
